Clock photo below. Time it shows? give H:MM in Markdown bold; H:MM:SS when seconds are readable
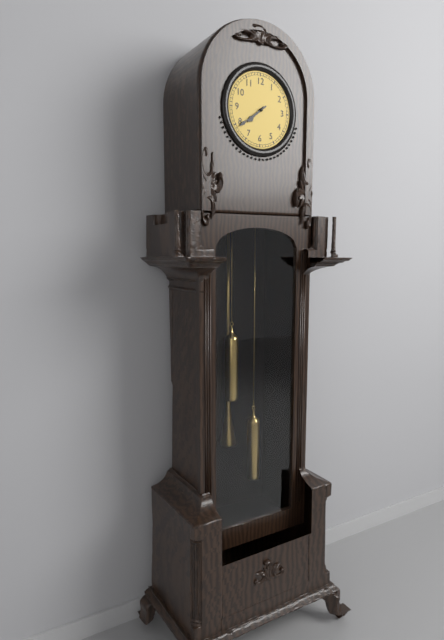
**7:39**
